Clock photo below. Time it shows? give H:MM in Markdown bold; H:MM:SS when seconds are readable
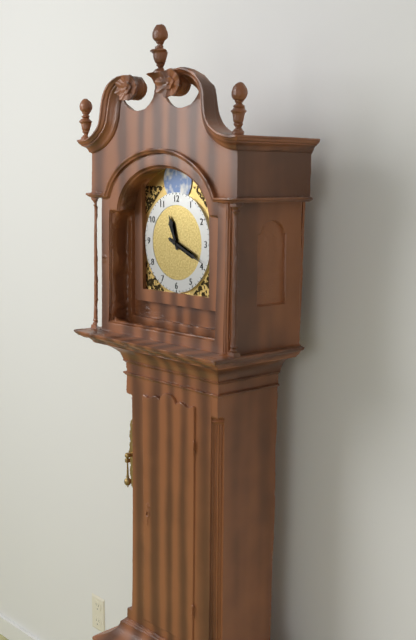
**11:19**
